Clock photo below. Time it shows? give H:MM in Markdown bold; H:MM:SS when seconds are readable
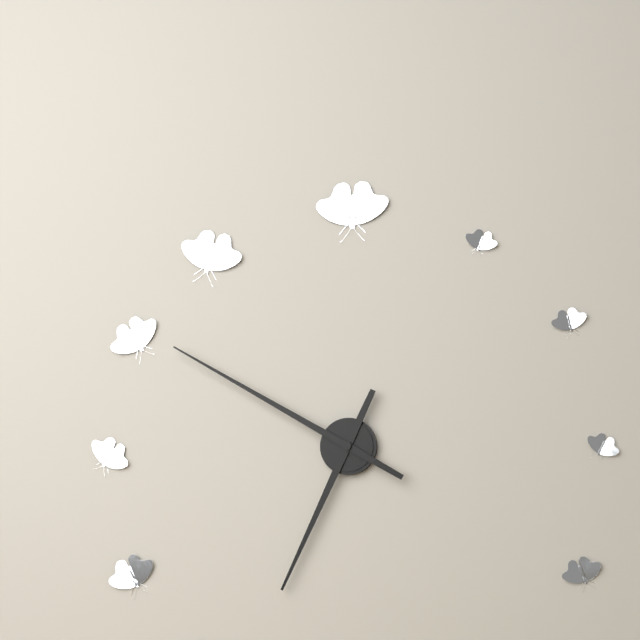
**6:50**
